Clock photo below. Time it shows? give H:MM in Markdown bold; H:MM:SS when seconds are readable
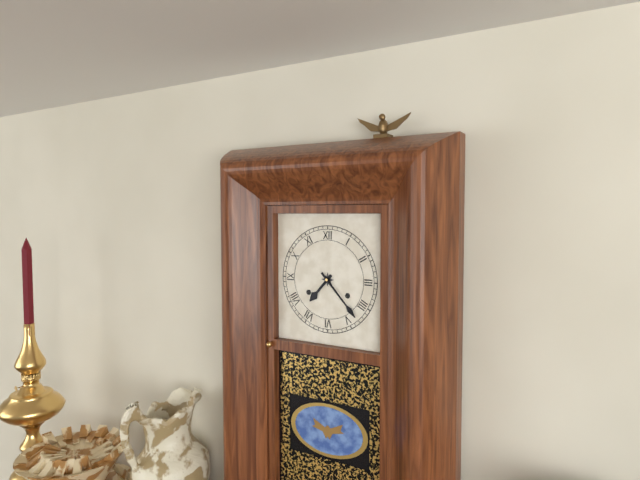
**7:23**
